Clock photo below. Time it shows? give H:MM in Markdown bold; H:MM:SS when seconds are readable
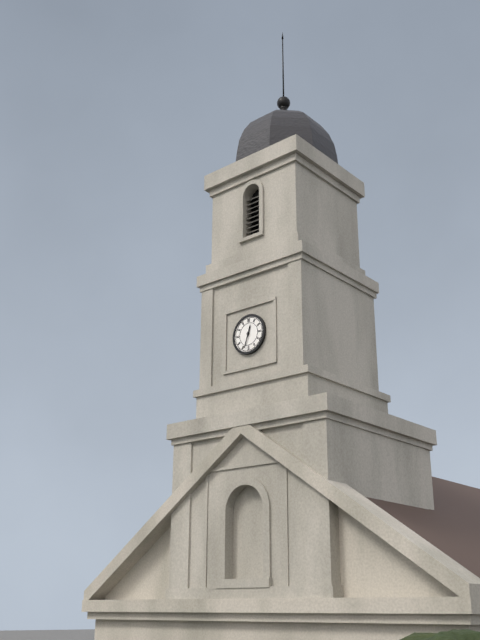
**12:33**
